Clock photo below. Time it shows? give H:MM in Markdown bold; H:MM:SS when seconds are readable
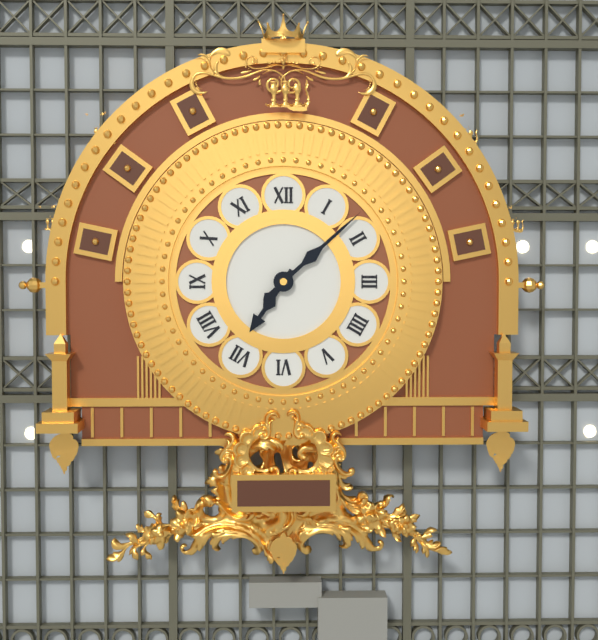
**7:08**
